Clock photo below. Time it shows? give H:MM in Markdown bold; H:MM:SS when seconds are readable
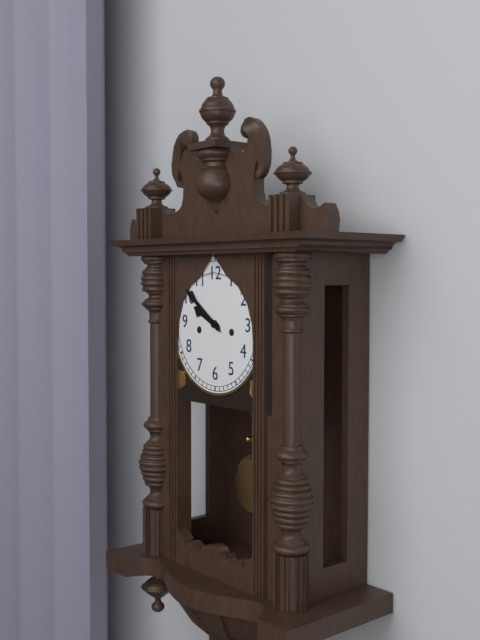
**9:51**
